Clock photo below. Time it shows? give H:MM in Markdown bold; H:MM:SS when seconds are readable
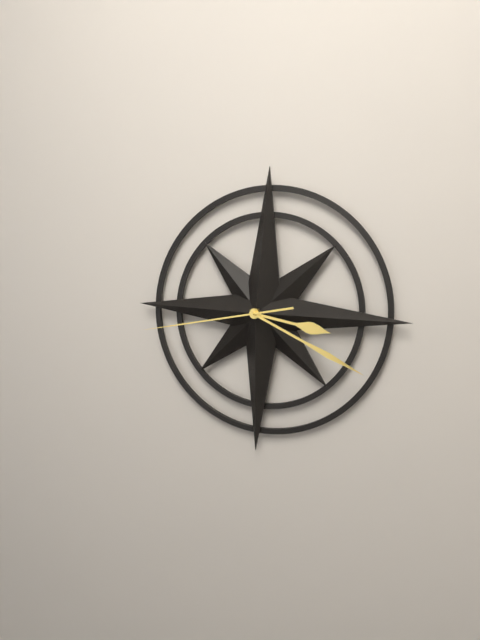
**3:19:43**
